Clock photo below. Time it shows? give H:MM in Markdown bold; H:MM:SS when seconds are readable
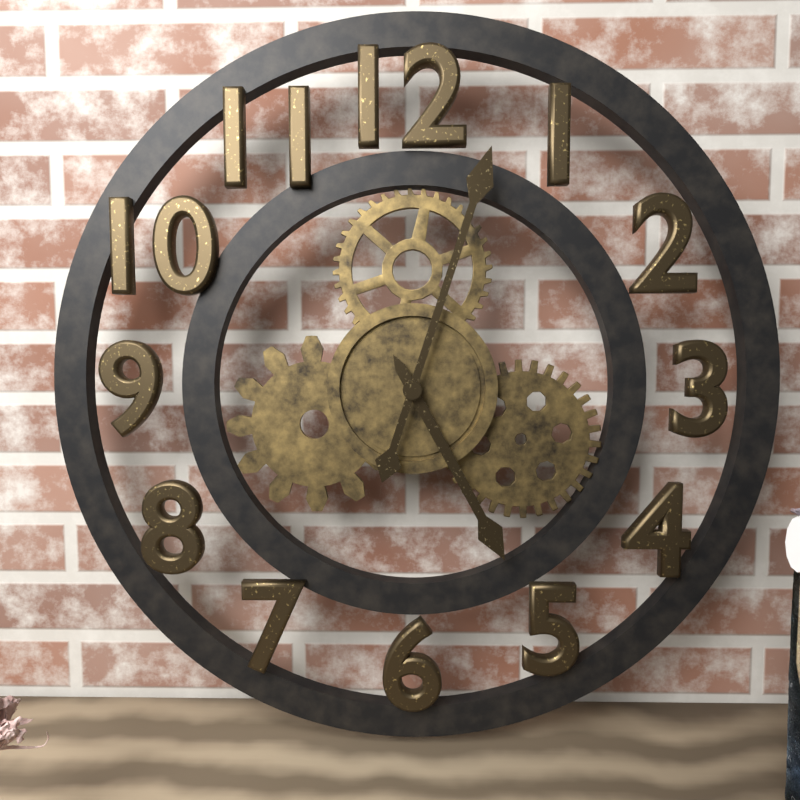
**5:03**
